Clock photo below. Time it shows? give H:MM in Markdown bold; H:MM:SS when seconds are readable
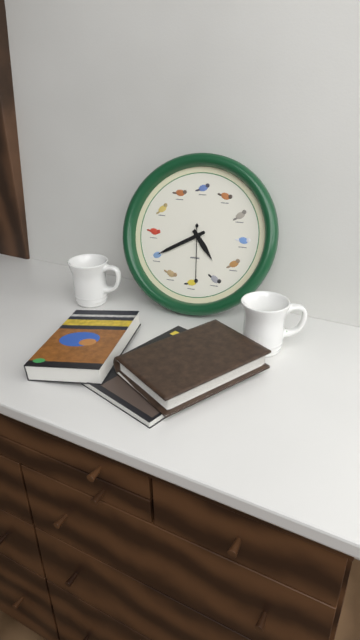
**4:40:29**
